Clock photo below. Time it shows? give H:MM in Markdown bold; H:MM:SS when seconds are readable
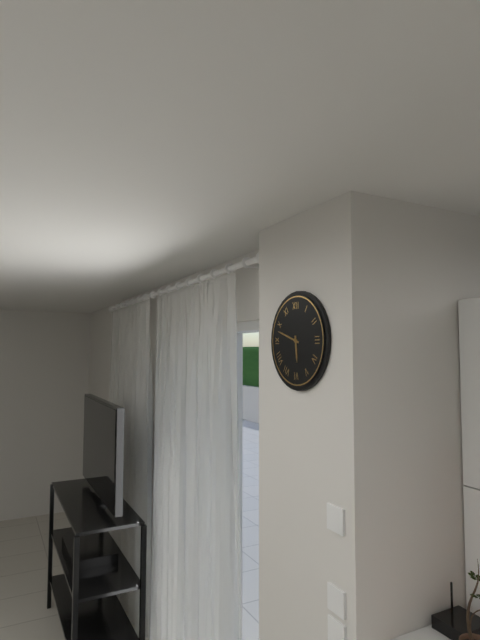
**5:48**
